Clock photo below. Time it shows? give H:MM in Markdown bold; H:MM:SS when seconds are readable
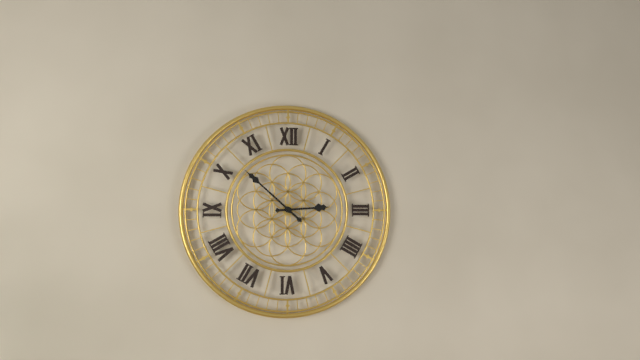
**2:52**
